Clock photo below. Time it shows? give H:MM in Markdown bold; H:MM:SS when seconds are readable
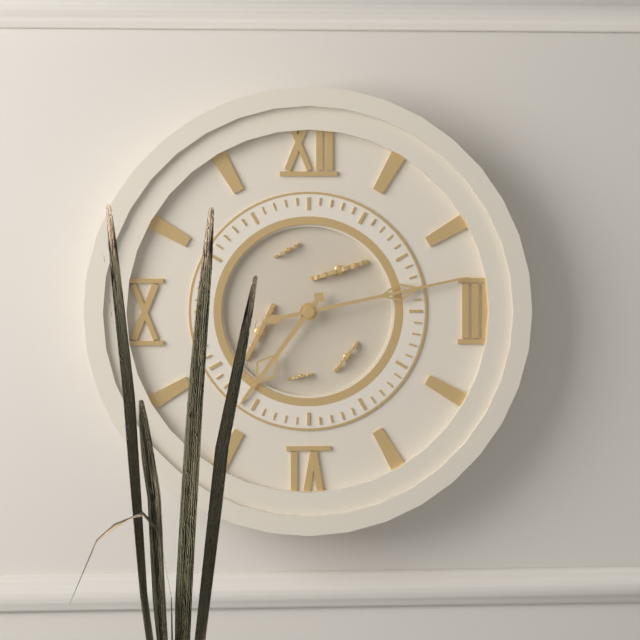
**7:13**
